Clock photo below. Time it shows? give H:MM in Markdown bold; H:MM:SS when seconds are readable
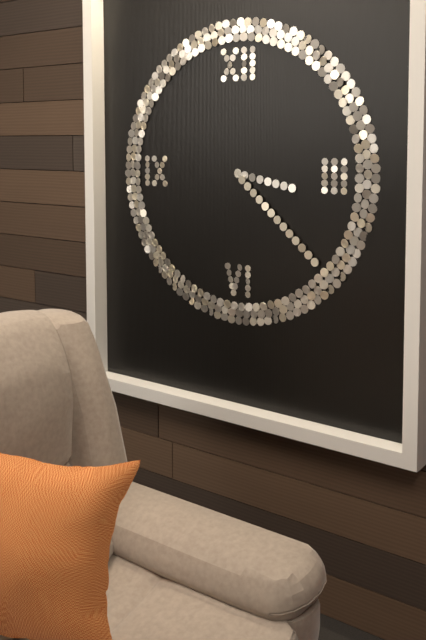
**3:22**
